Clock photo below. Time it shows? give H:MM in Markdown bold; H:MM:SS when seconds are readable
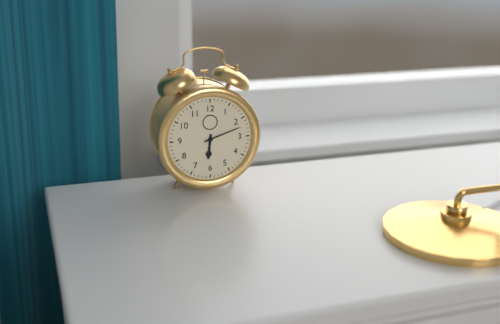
**6:12**
